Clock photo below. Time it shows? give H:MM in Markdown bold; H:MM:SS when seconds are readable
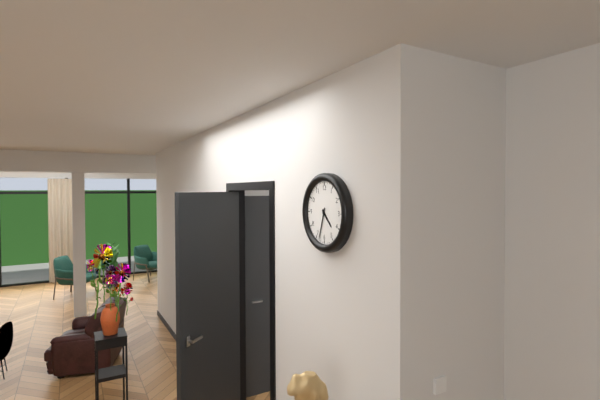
**4:33**
